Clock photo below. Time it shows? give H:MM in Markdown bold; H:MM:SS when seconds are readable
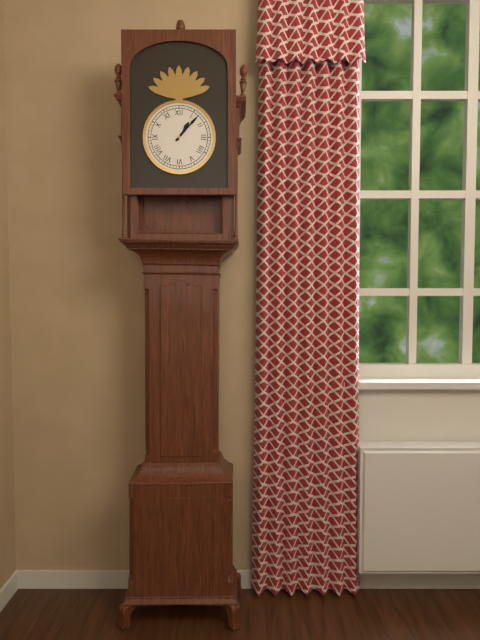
**1:07**
